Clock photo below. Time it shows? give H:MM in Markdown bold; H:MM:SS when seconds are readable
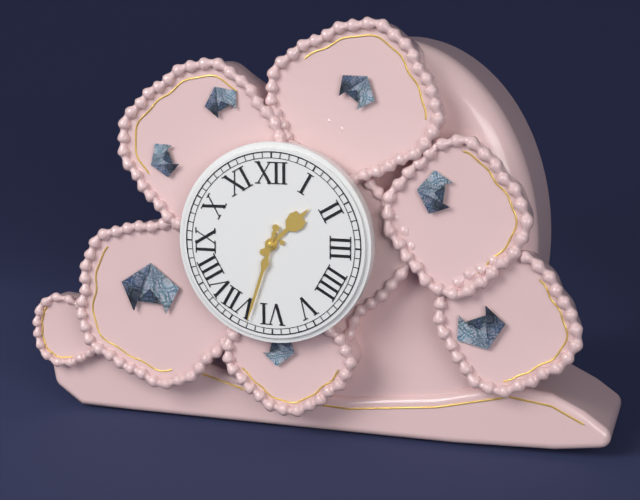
**1:33**
